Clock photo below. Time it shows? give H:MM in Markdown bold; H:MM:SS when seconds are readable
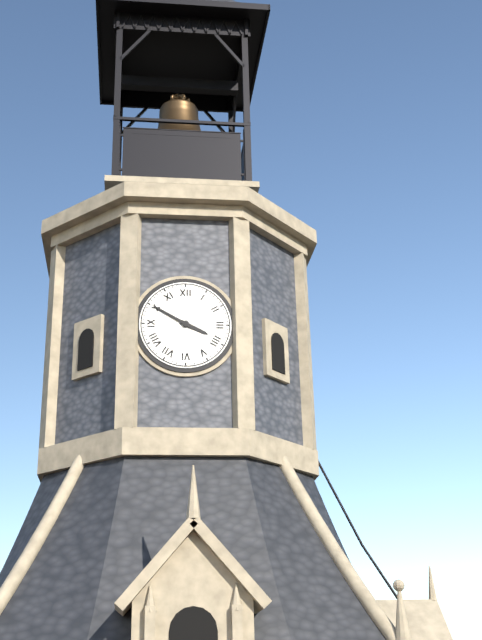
**3:50**
